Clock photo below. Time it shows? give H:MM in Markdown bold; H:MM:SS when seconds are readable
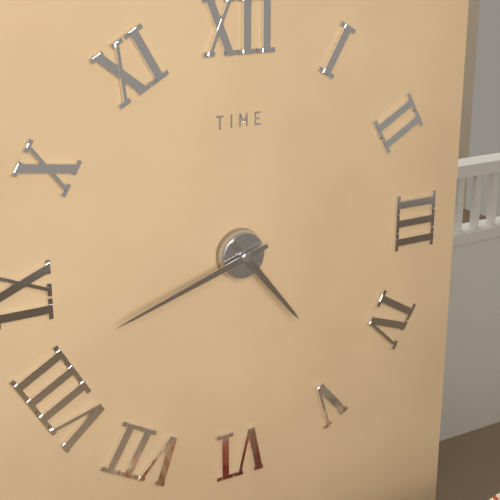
**4:42**
